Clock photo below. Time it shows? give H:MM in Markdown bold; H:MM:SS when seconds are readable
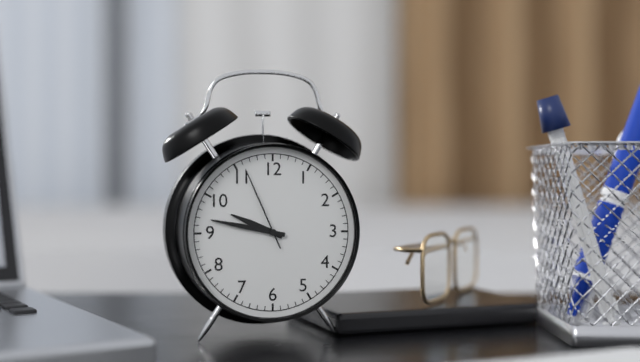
**9:47:56**
